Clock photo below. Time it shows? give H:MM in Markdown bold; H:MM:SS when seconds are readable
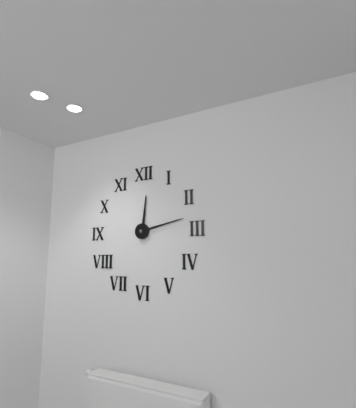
**12:13**
